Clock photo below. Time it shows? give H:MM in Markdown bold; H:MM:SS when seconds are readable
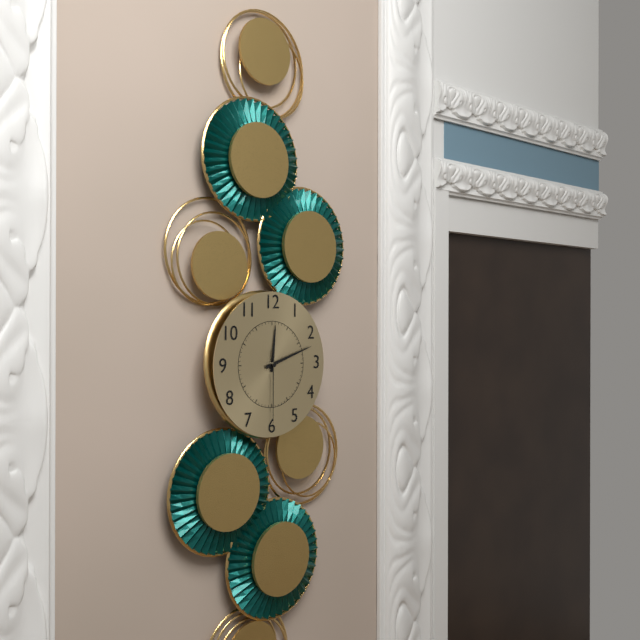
**12:12:30**
